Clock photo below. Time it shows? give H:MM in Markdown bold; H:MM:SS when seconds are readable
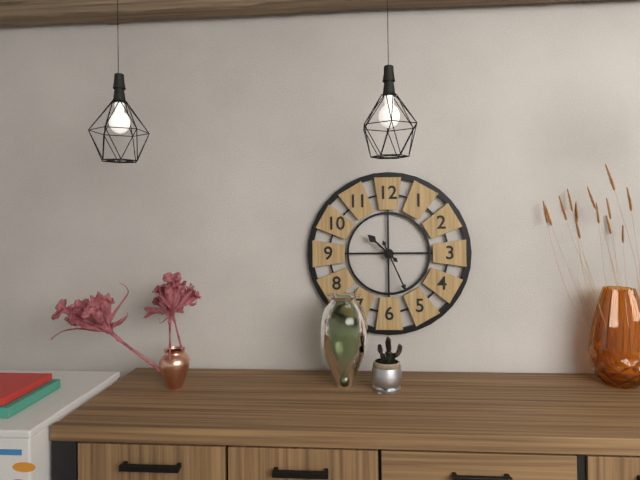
**10:26**
